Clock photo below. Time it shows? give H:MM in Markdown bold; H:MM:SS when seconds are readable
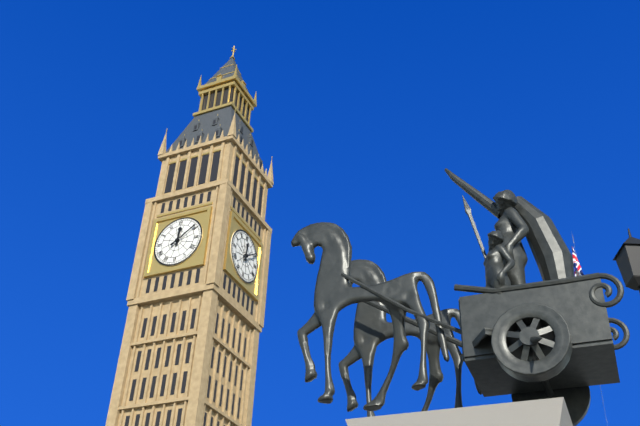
**12:09**
